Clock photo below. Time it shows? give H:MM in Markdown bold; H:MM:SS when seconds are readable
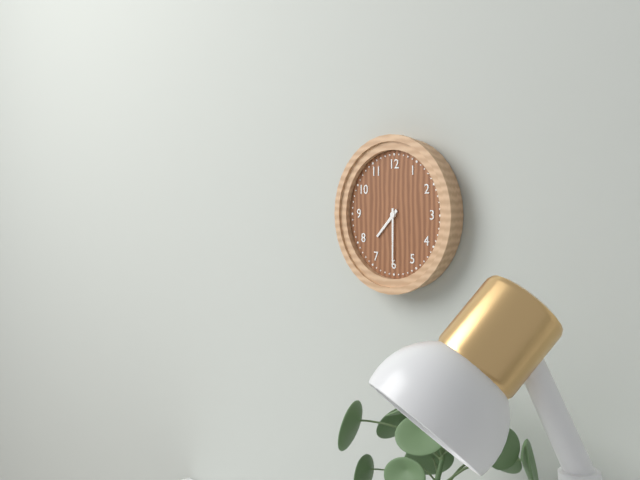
**7:30**
